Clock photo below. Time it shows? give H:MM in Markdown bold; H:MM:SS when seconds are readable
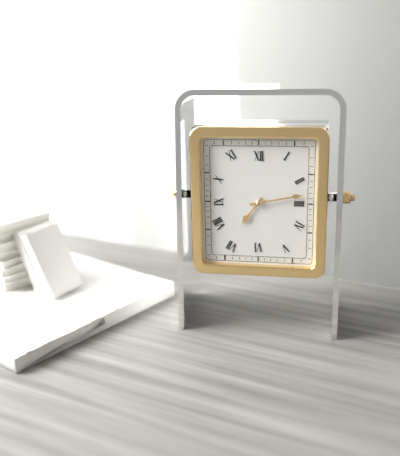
**7:13**
